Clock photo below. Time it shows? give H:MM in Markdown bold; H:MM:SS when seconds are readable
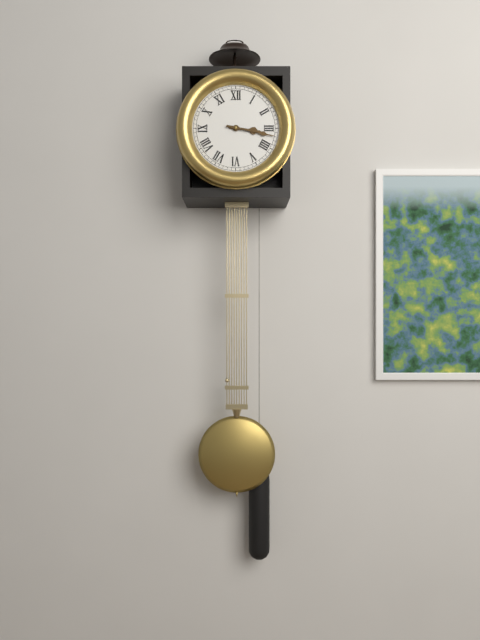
**3:17**
